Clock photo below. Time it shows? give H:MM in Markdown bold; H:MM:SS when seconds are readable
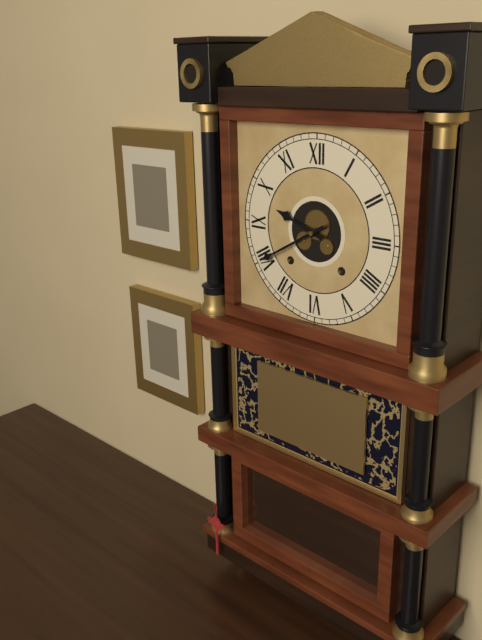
**9:40**
